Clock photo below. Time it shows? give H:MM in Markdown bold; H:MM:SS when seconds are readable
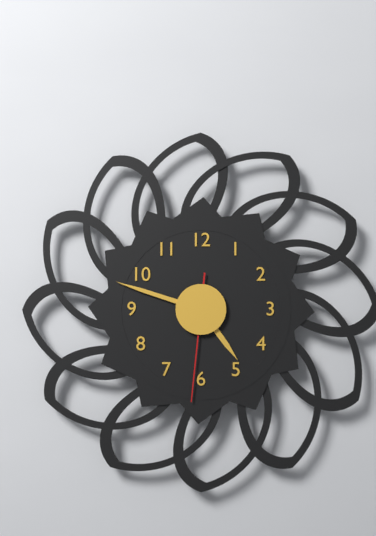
**4:48:31**
